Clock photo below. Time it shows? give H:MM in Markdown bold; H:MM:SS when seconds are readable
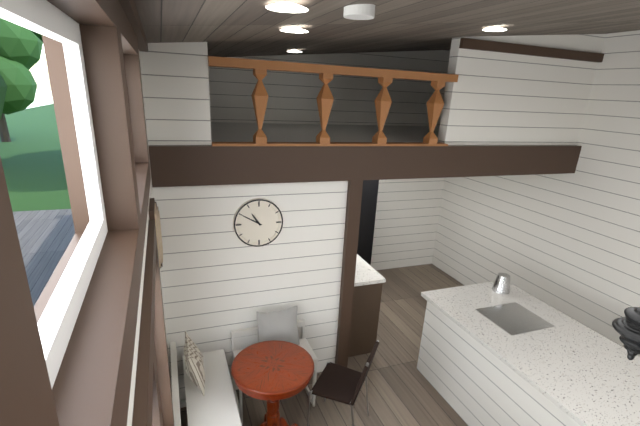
**10:50**
